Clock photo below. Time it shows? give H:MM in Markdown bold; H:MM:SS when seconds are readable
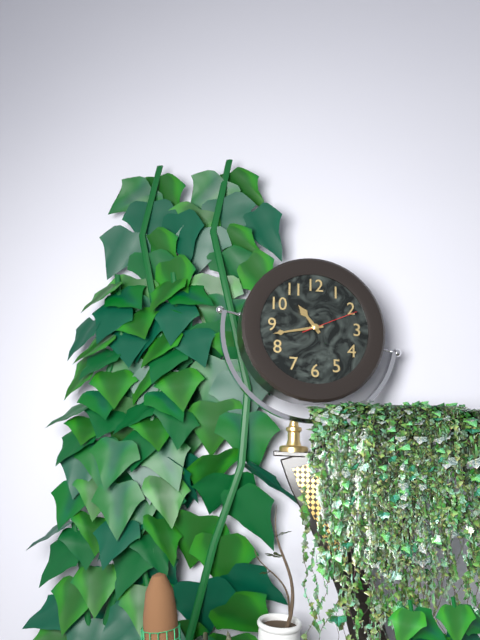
**10:43:11**
